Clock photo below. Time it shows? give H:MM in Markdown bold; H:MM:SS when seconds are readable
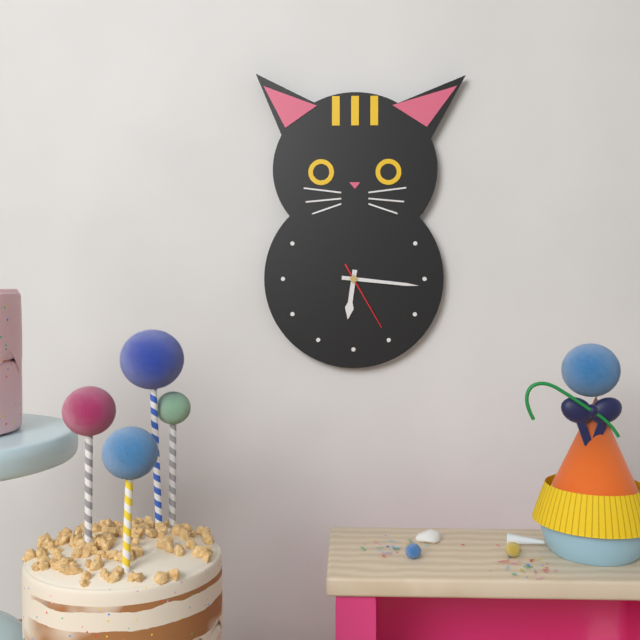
**6:16:25**
